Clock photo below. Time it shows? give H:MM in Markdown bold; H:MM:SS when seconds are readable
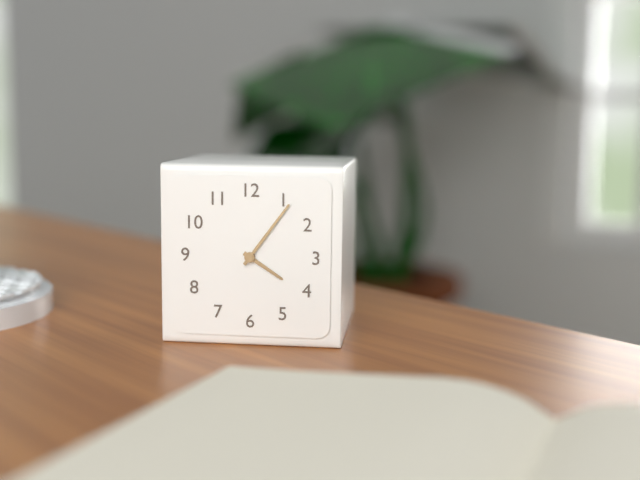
**4:06**
